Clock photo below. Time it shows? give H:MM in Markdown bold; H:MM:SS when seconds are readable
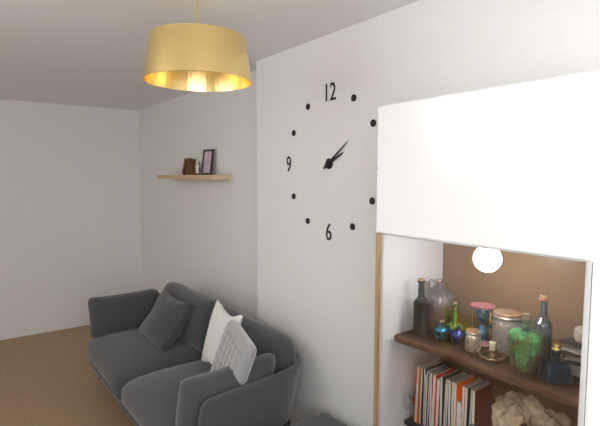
**2:09**
